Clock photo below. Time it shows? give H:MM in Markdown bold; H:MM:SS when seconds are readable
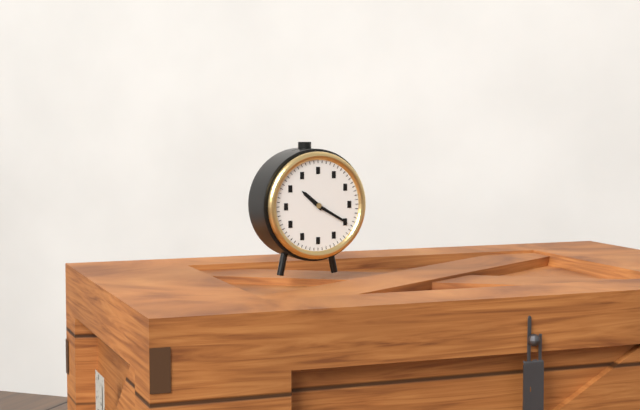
**10:20**
